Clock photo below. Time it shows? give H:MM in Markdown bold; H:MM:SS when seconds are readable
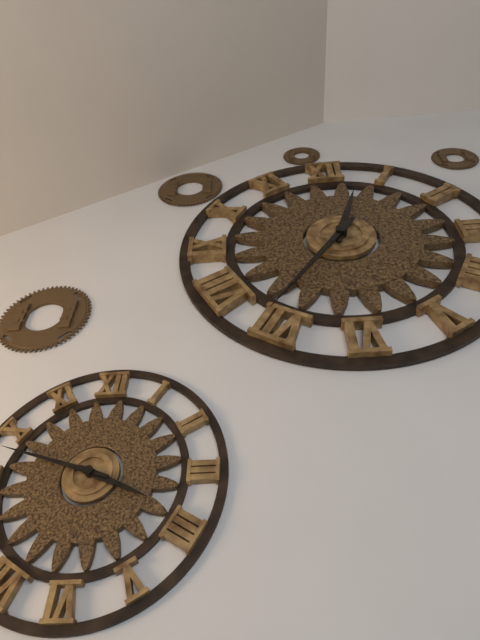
**12:36**
